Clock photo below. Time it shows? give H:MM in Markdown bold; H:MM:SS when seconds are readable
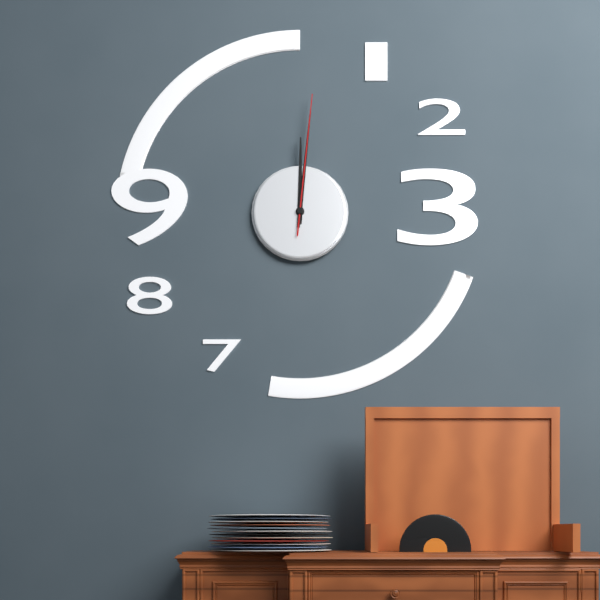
**12:01:01**
